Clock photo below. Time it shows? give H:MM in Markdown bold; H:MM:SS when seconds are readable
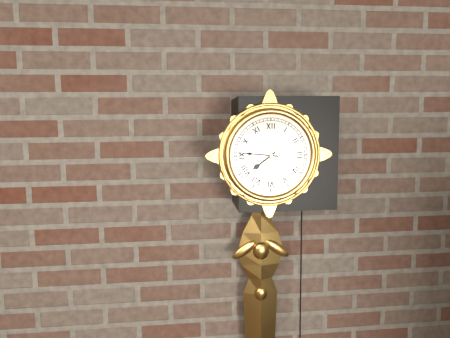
**7:46**
